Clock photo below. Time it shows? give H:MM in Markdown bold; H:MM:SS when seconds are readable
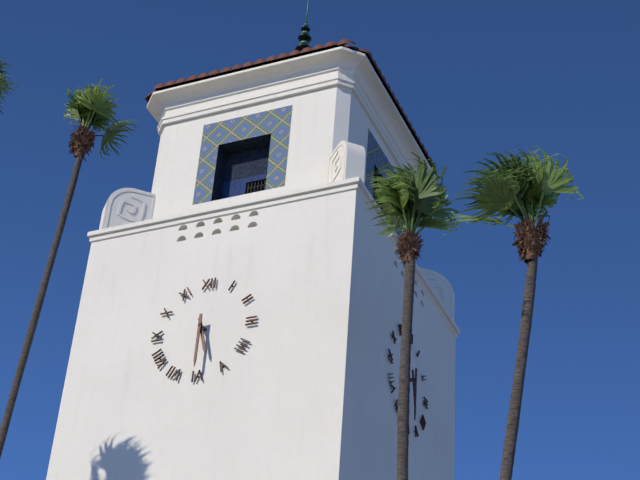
**5:30**
